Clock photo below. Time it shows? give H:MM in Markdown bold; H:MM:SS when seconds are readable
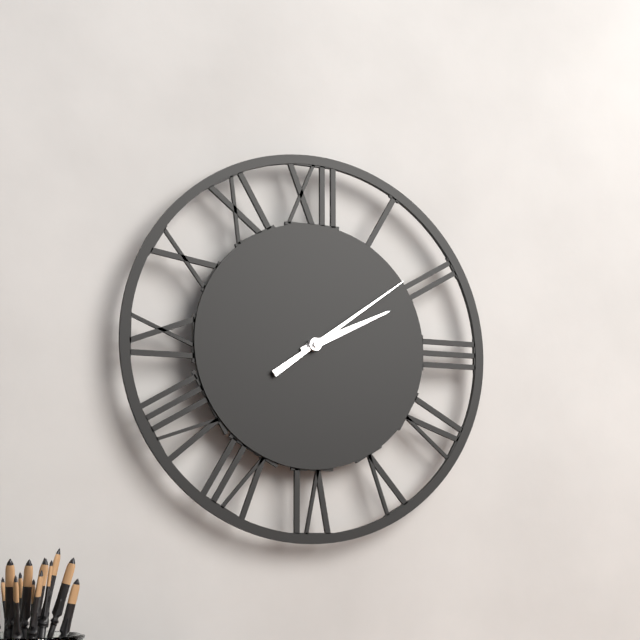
**2:09**
